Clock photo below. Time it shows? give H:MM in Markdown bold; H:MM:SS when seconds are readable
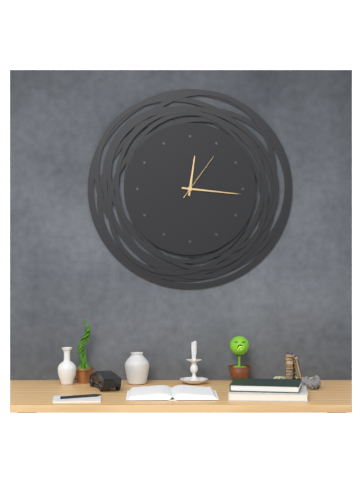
**12:16:06**
